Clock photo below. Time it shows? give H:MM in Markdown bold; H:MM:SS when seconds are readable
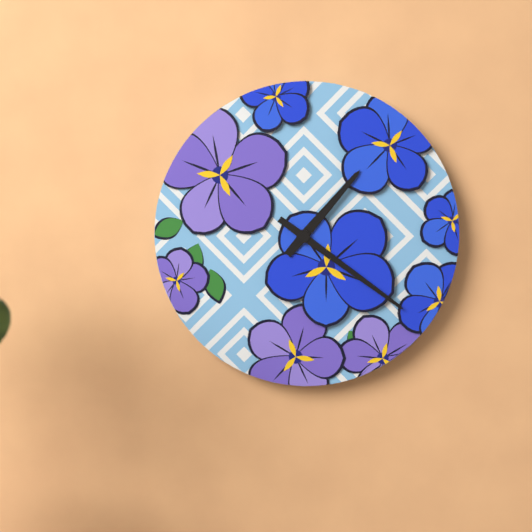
**1:21**
